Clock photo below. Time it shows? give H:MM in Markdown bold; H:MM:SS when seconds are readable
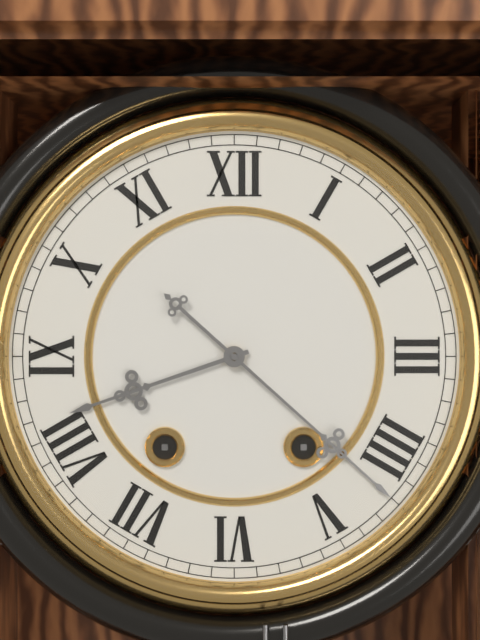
**8:22**
